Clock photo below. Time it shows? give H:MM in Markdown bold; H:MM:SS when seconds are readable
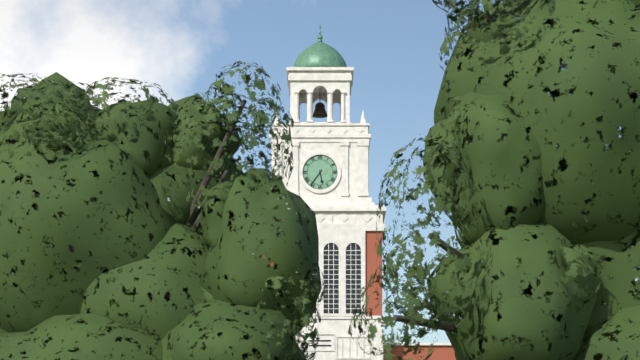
**5:36**
